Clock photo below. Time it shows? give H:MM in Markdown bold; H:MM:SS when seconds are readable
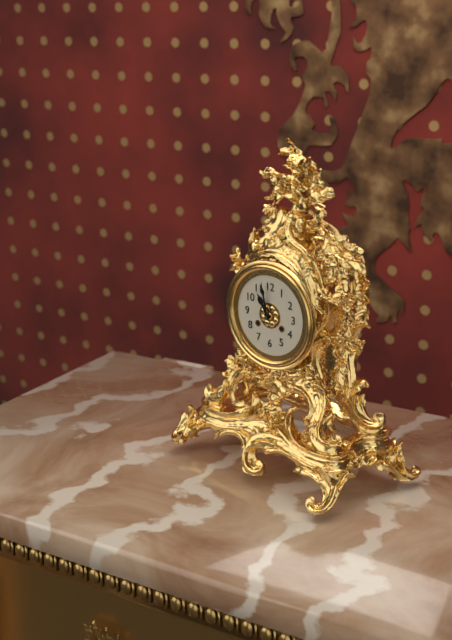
**10:58**
